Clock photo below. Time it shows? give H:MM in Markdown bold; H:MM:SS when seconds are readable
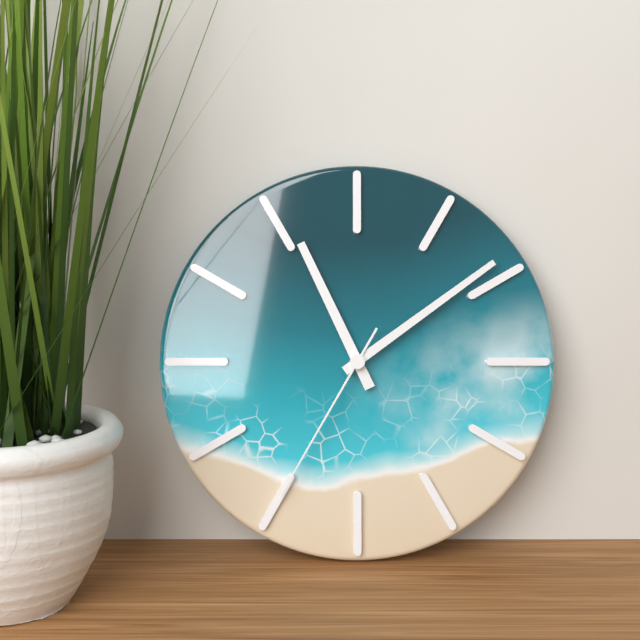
**11:09:35**
